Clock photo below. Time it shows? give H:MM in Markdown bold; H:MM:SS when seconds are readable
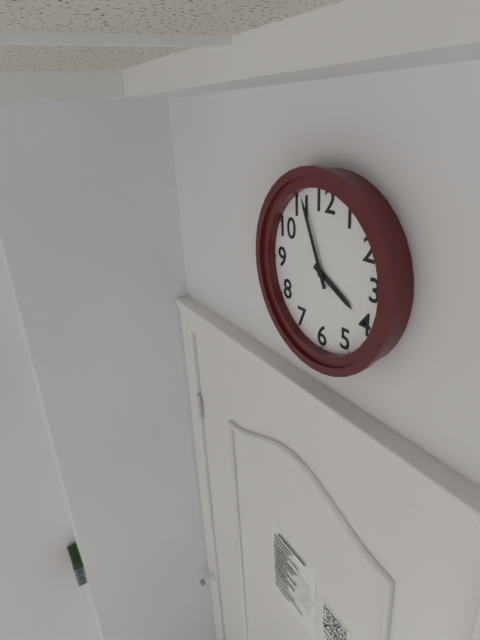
**3:56**
